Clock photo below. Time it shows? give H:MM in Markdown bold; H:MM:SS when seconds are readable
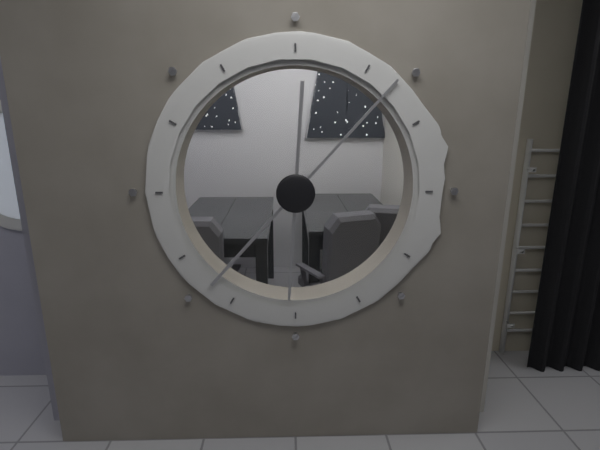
**6:07**
